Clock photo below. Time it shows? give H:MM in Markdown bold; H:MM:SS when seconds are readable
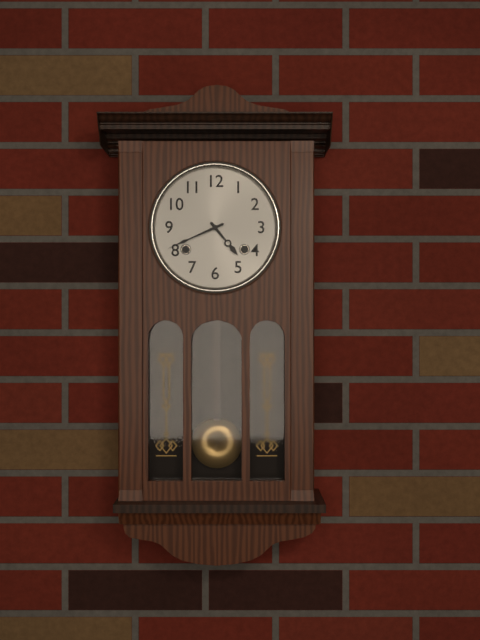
**4:41**
